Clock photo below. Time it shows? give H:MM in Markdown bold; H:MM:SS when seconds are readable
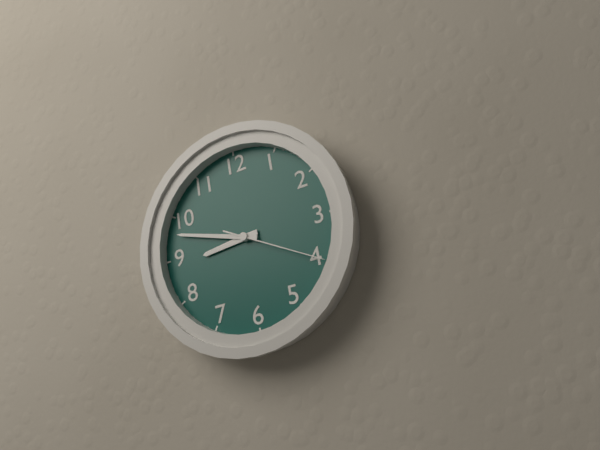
**8:48:20**
